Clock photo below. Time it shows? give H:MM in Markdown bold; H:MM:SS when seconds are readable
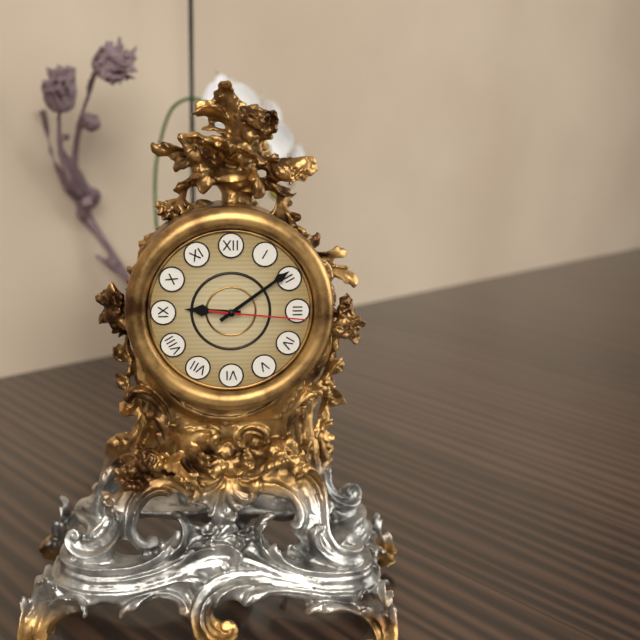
**9:09:16**
